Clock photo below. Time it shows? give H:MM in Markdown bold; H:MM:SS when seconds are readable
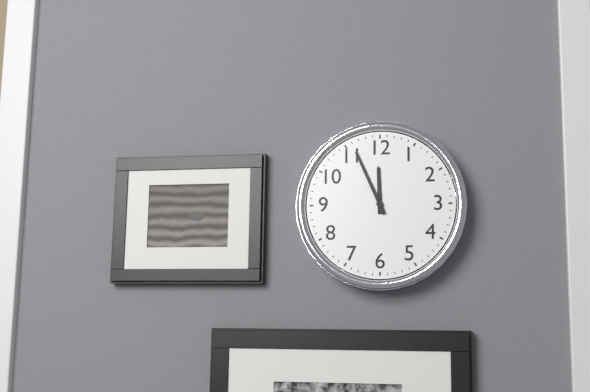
**11:56**
